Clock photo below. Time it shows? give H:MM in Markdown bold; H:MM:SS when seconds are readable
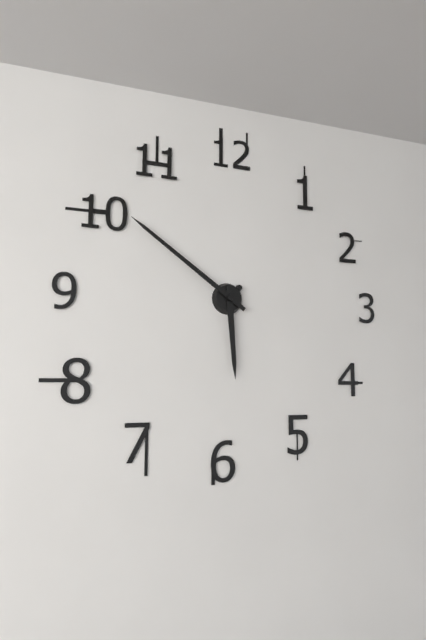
**5:51**
